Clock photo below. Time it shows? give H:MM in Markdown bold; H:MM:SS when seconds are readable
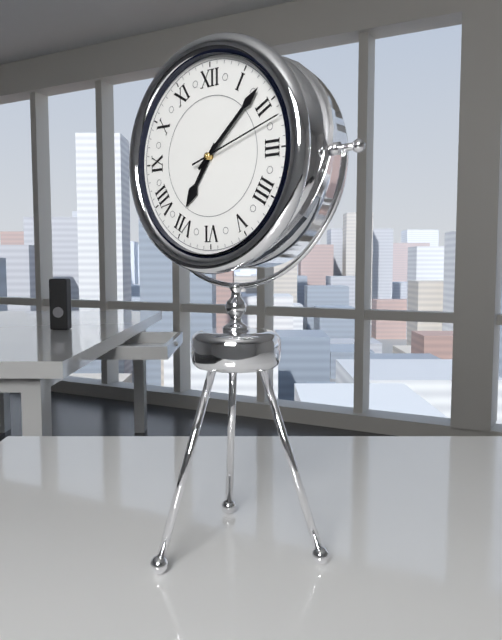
**7:08:12**
